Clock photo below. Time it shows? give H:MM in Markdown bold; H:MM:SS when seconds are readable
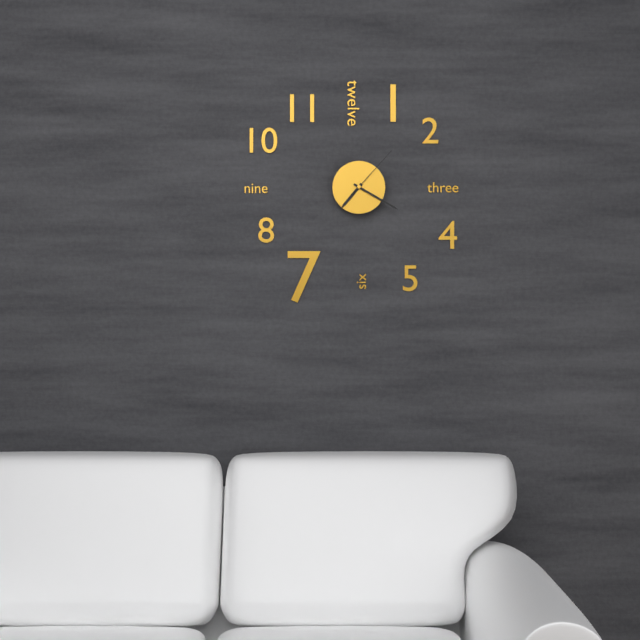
**7:20:07**
